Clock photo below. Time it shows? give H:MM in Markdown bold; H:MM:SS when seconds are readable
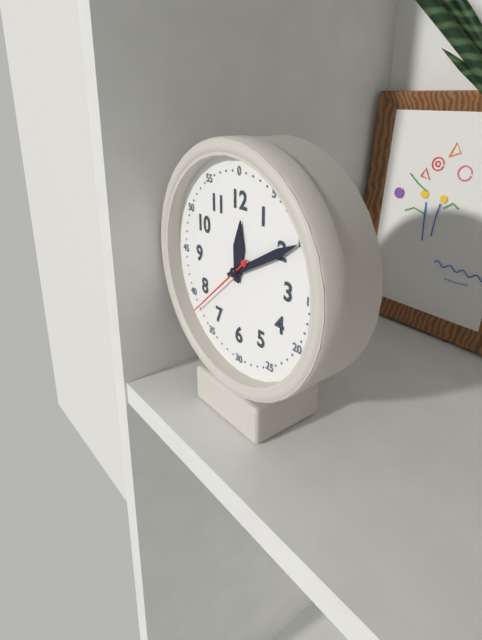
**12:10:38**
